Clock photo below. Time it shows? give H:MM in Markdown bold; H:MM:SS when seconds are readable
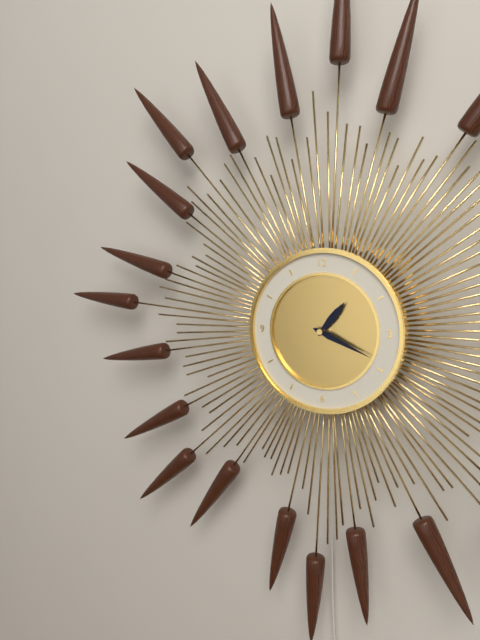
**1:19**
